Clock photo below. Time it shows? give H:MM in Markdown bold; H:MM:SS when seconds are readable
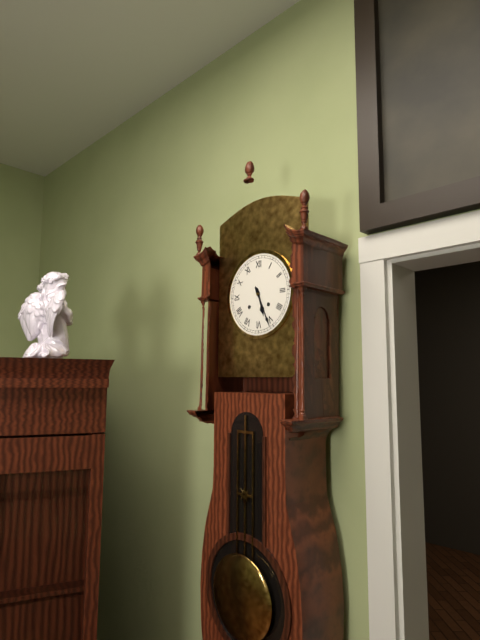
**5:26**
